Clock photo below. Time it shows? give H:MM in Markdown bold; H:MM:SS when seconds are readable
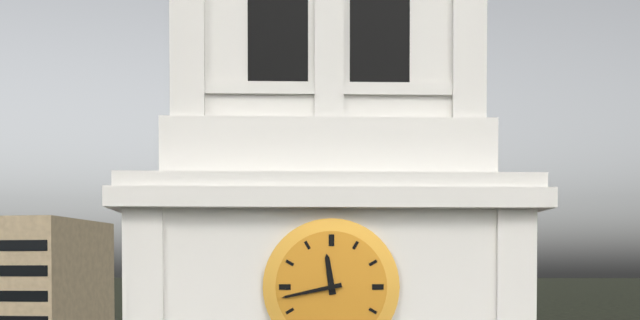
**11:43**
